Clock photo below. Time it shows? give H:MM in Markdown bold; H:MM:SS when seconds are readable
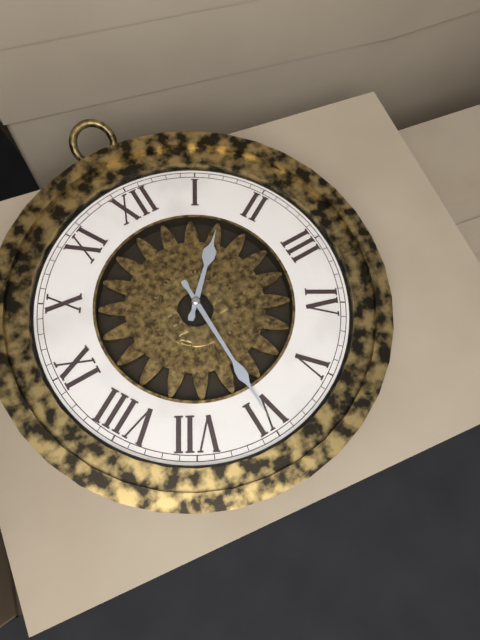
**1:30**
